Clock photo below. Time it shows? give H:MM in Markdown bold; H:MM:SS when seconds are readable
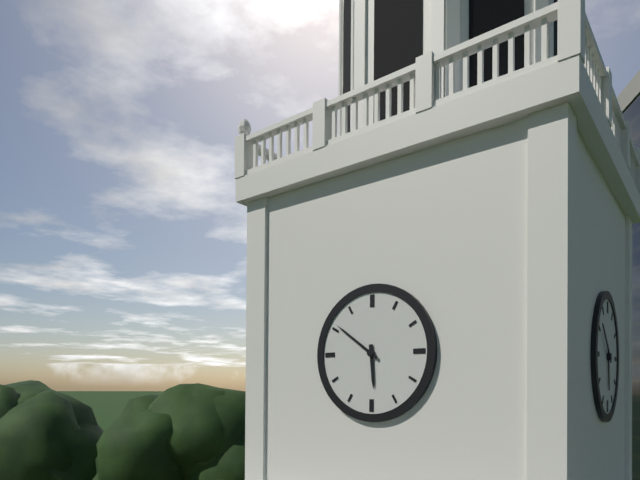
**5:51**
